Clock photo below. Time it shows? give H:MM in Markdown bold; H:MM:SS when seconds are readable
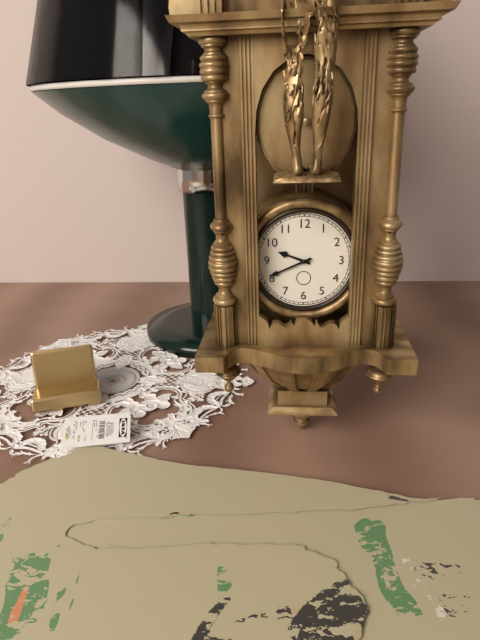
**9:41**
